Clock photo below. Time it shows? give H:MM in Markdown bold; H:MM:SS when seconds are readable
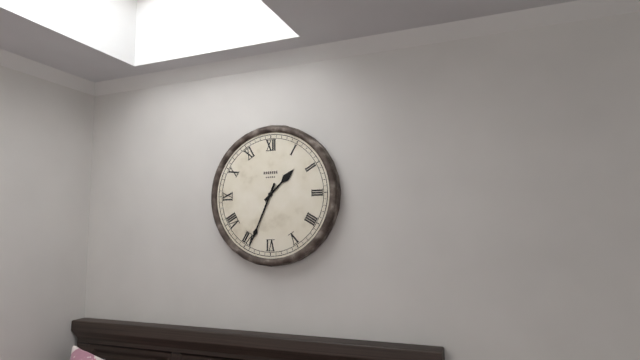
**1:34**
